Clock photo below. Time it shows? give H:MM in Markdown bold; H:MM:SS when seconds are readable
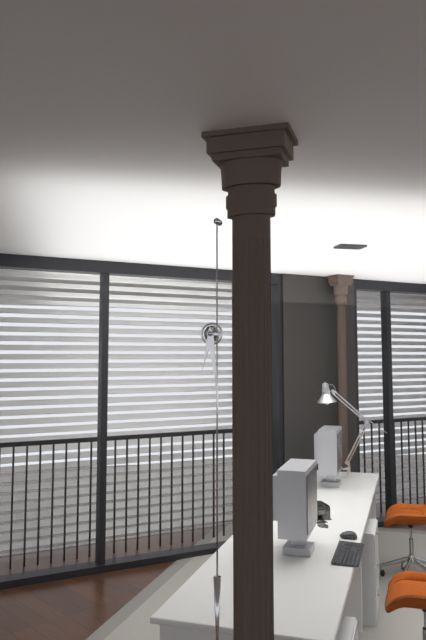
**6:29**
